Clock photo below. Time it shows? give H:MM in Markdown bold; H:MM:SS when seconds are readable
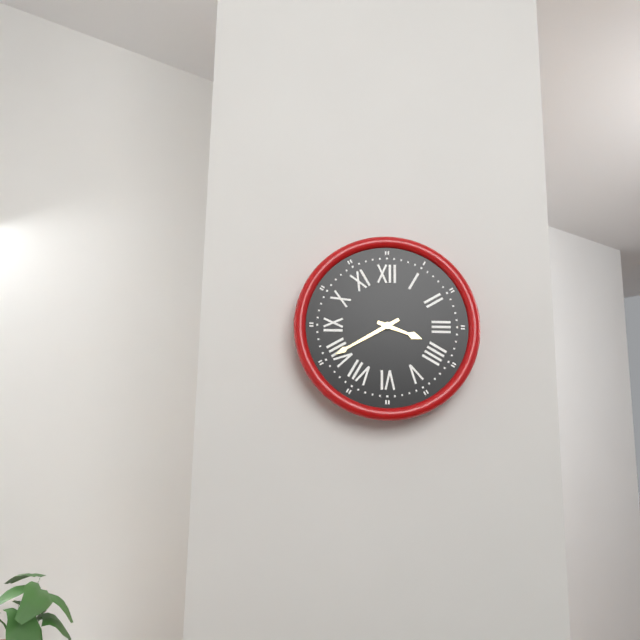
**3:40**
